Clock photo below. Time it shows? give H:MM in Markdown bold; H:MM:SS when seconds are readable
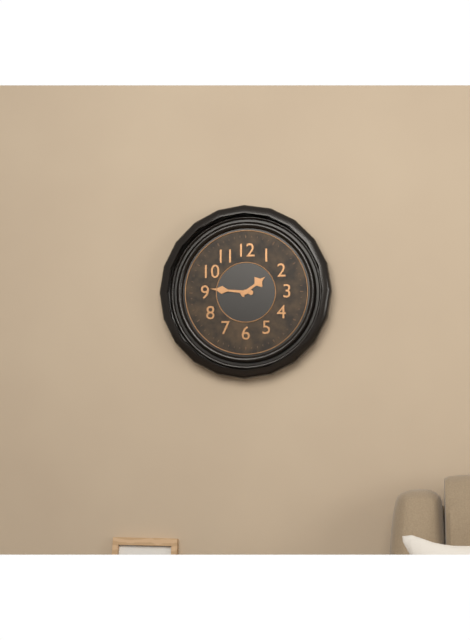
**1:46**
